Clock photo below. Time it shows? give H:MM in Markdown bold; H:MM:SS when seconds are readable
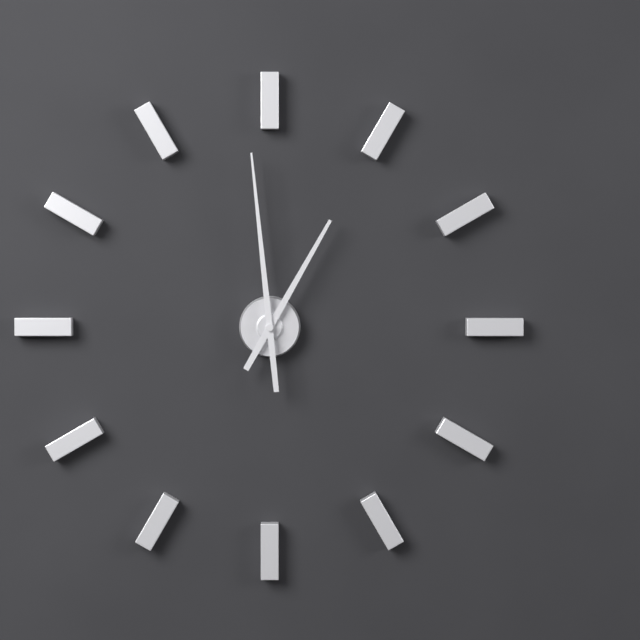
**12:59**
